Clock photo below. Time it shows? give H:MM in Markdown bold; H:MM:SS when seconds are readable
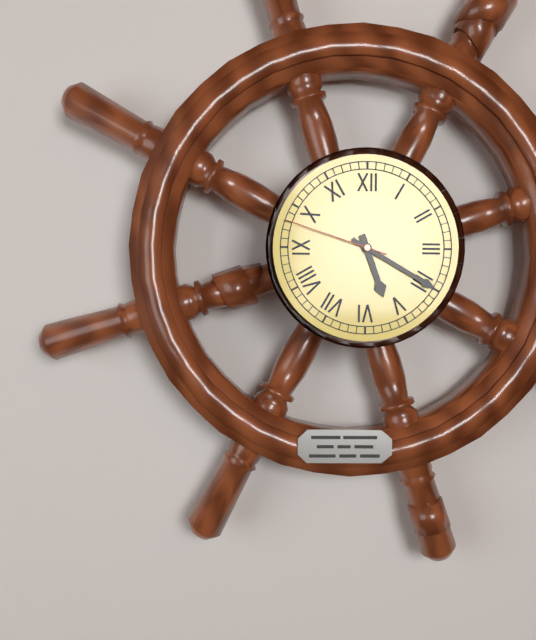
**5:20:48**
